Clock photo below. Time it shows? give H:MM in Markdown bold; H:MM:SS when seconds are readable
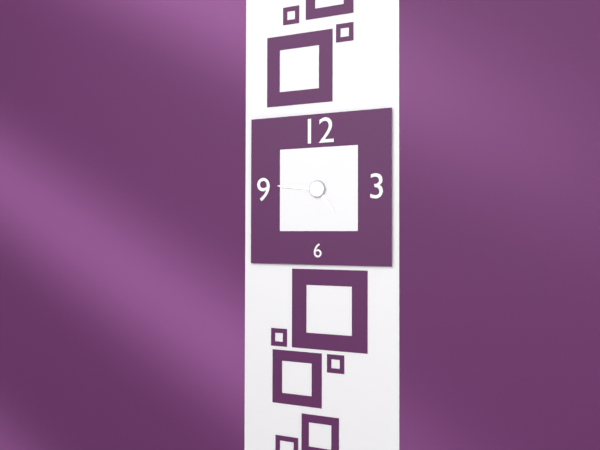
**4:46**
